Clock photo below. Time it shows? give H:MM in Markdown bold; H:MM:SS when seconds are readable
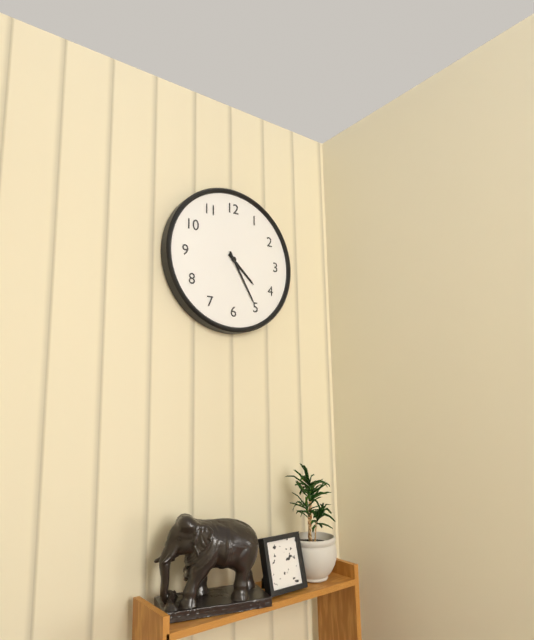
**4:25**
